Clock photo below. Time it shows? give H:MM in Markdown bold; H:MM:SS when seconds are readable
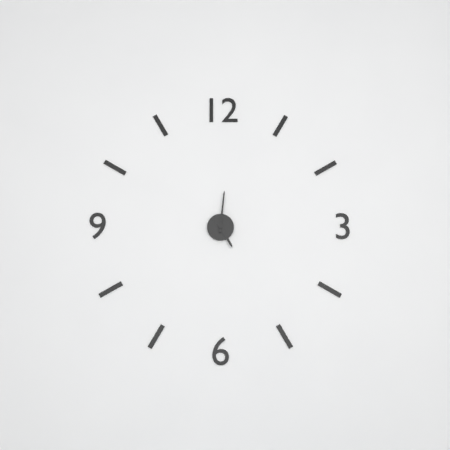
**5:01**
